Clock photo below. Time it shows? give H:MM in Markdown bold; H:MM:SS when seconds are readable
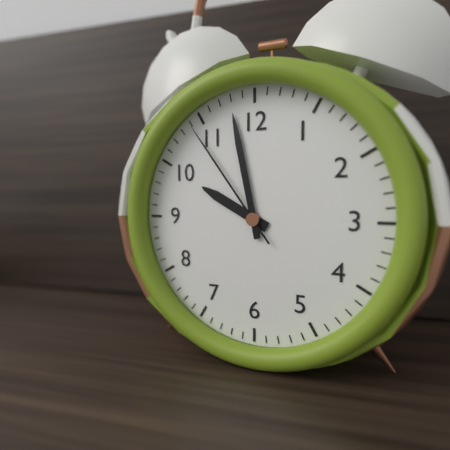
**9:58:54**
